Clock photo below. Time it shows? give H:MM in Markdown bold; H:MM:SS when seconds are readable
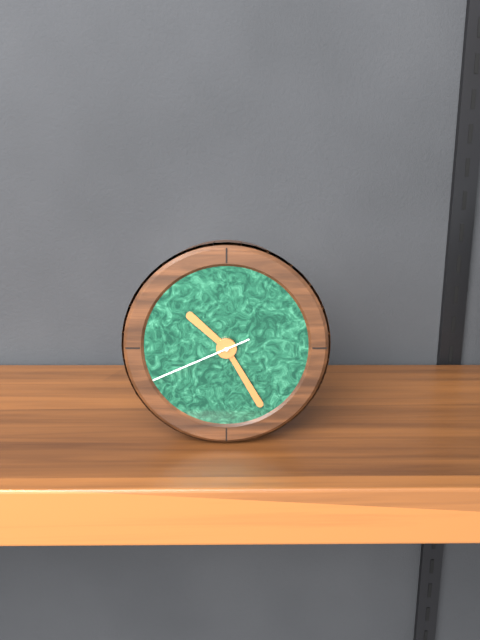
**10:25:41**
